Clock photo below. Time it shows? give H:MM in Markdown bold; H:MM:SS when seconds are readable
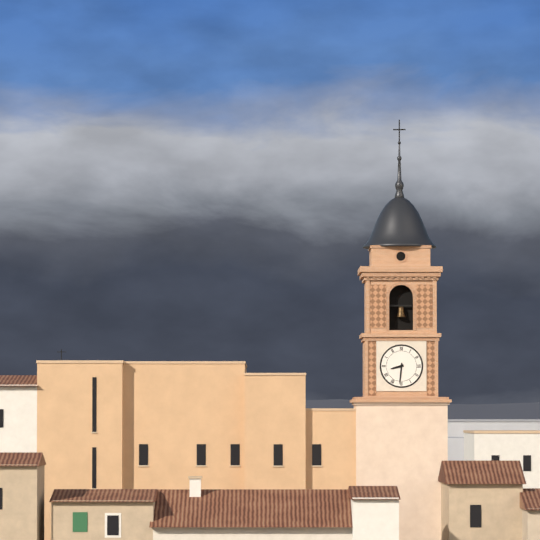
**8:31**
